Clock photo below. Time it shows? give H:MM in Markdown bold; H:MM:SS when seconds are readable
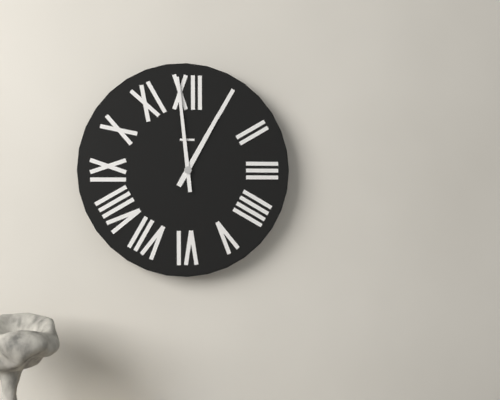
**12:59**
